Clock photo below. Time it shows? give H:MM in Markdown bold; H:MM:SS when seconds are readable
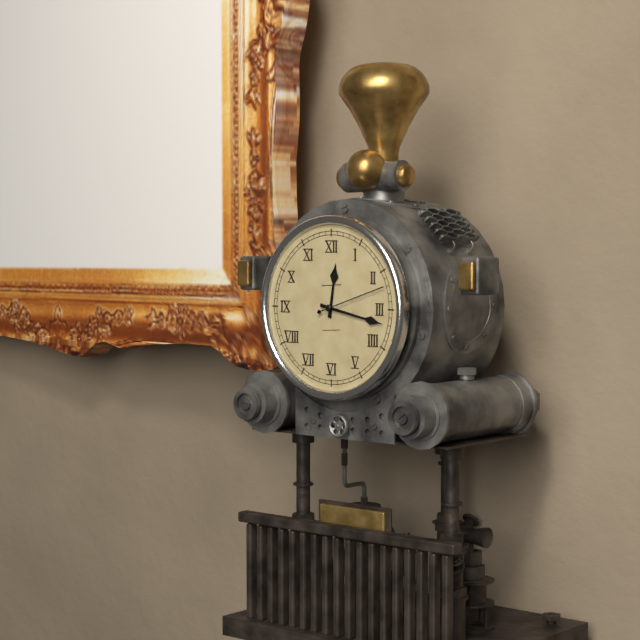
**12:17:12**
